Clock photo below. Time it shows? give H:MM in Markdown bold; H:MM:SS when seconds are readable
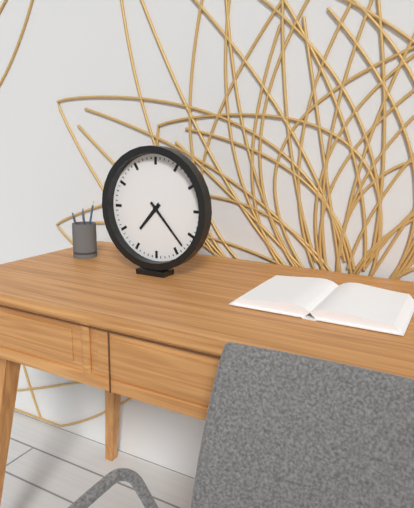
**7:23**
